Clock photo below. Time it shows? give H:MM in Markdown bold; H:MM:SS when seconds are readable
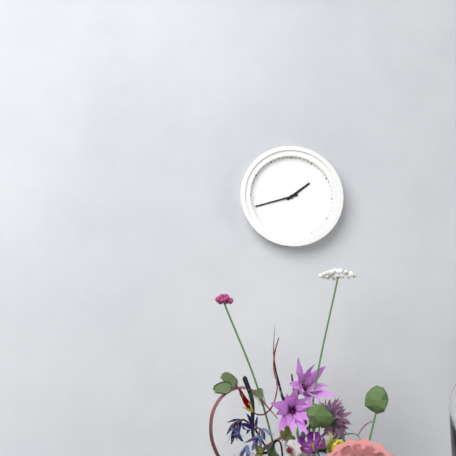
**1:42**
